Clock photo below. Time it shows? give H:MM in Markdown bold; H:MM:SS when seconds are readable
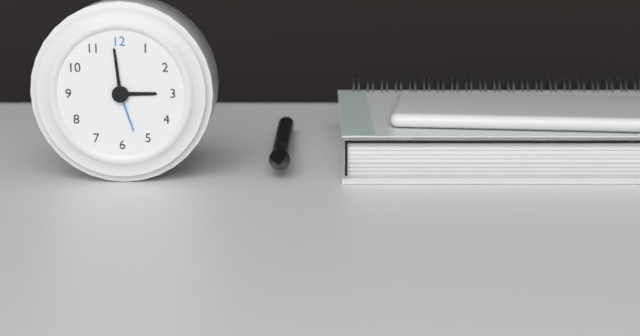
**2:59**
